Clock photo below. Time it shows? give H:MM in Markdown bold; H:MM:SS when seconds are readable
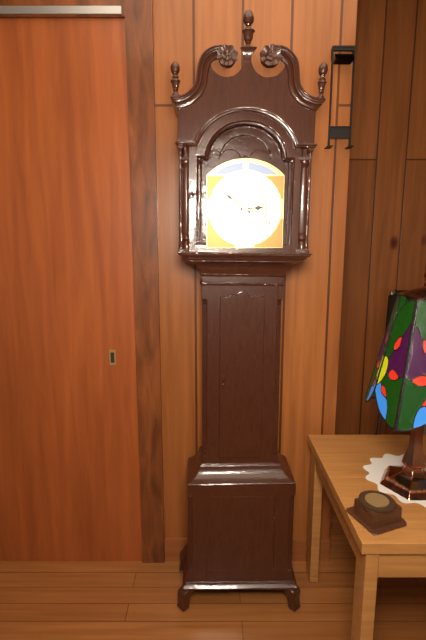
**2:51**
